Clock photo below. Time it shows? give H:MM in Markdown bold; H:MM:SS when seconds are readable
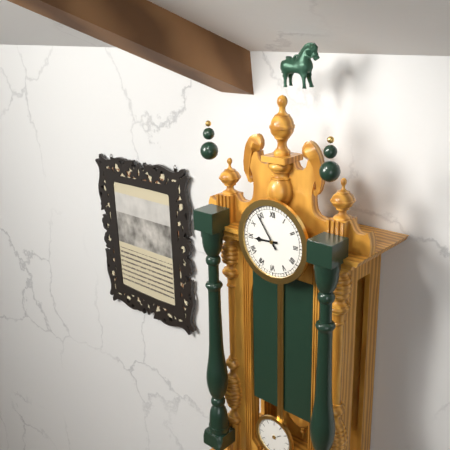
**8:54**
